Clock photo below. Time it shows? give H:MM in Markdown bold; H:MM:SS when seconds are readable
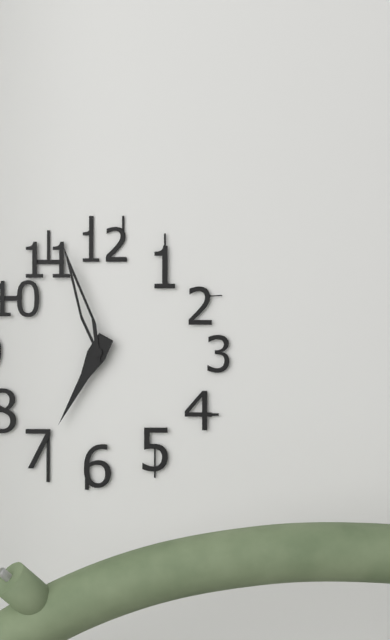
**6:57**
